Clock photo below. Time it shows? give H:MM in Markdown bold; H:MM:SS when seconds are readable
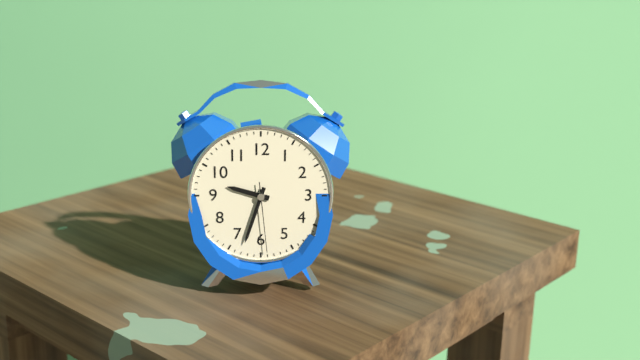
**9:33:29**
